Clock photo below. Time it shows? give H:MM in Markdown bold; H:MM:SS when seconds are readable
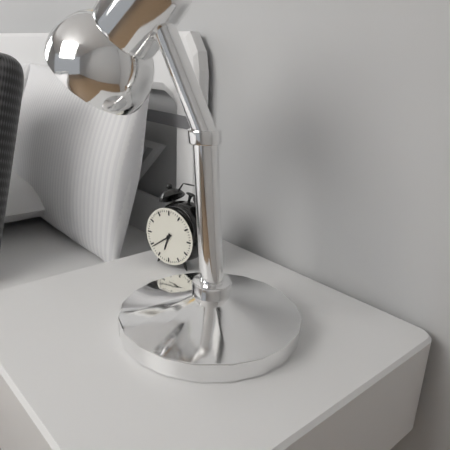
**6:39**
